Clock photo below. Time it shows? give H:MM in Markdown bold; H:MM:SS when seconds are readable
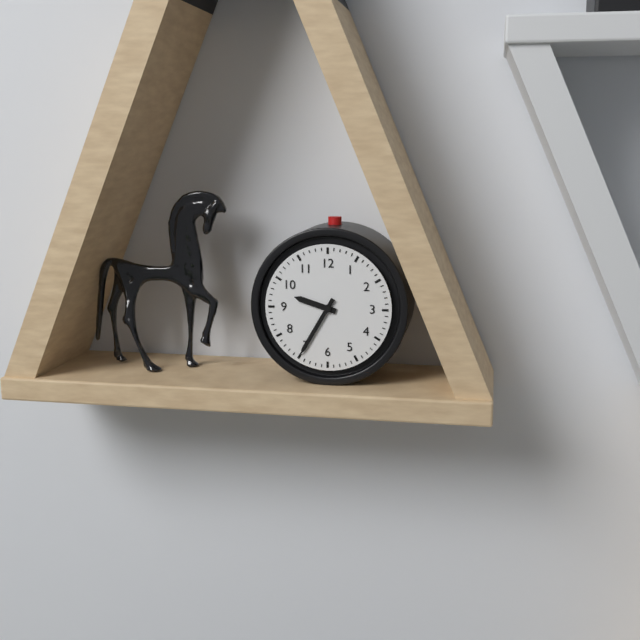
**9:35**
